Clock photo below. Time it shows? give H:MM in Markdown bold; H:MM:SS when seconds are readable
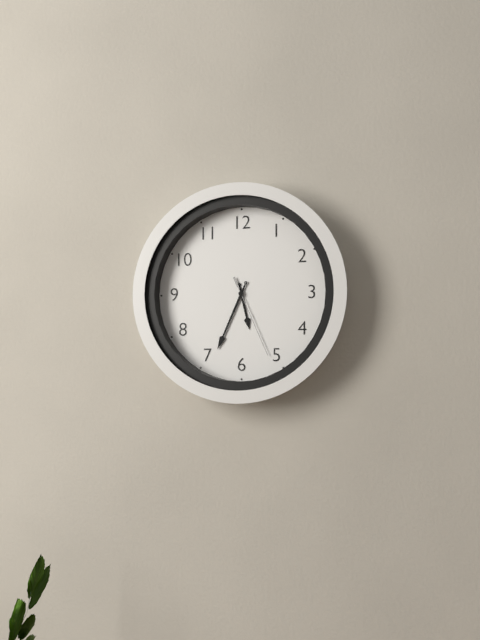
**5:34:26**
